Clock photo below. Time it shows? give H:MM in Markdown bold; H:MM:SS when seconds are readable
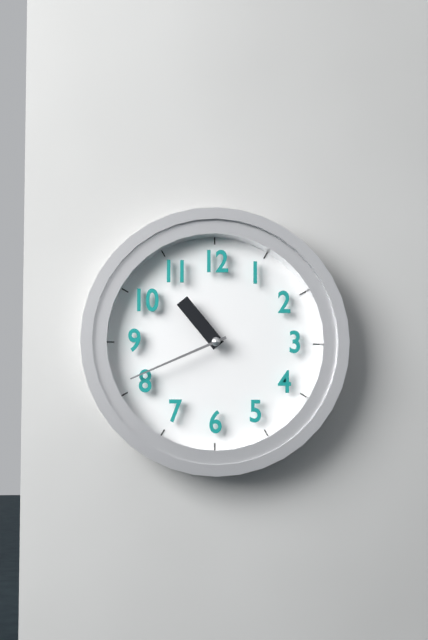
**10:41**
